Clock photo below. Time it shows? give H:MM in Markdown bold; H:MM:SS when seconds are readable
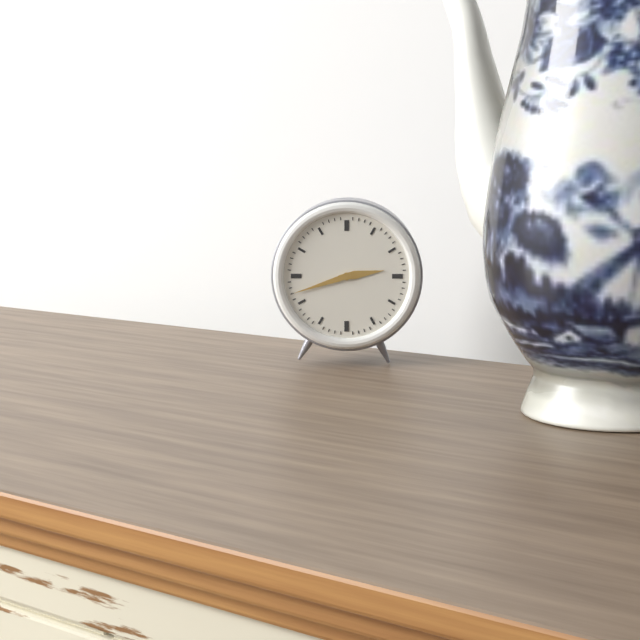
**2:42**
